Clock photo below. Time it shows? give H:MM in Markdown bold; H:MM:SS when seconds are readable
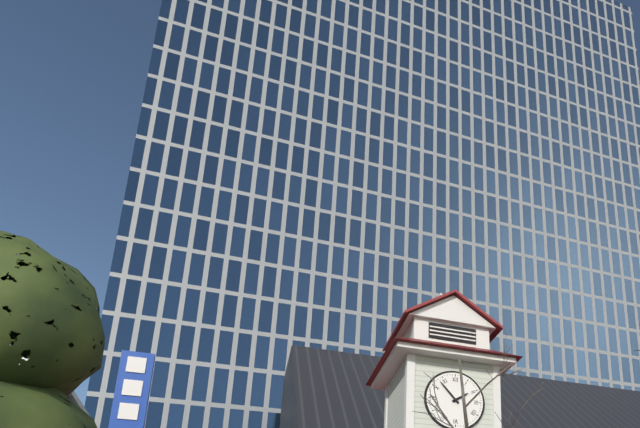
**1:53**
